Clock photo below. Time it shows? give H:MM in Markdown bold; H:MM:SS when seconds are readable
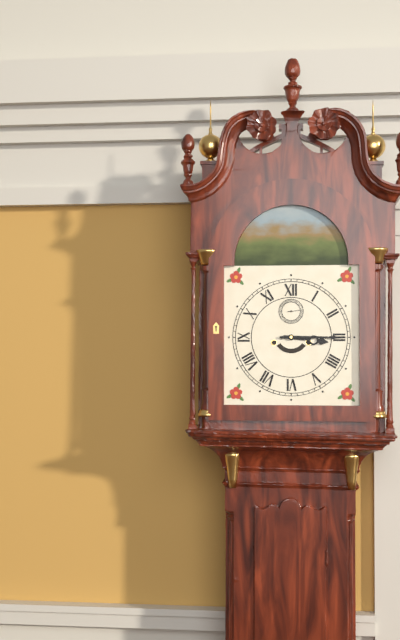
**3:15**
